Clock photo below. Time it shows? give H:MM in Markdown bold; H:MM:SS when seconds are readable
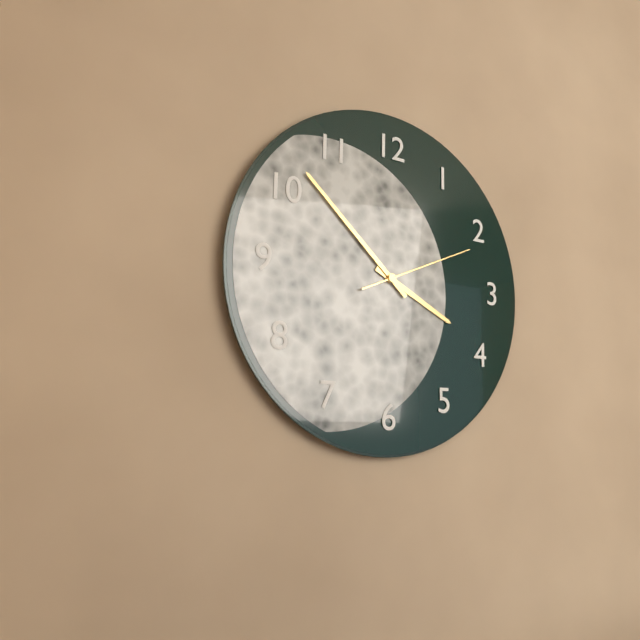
**3:52:11**
